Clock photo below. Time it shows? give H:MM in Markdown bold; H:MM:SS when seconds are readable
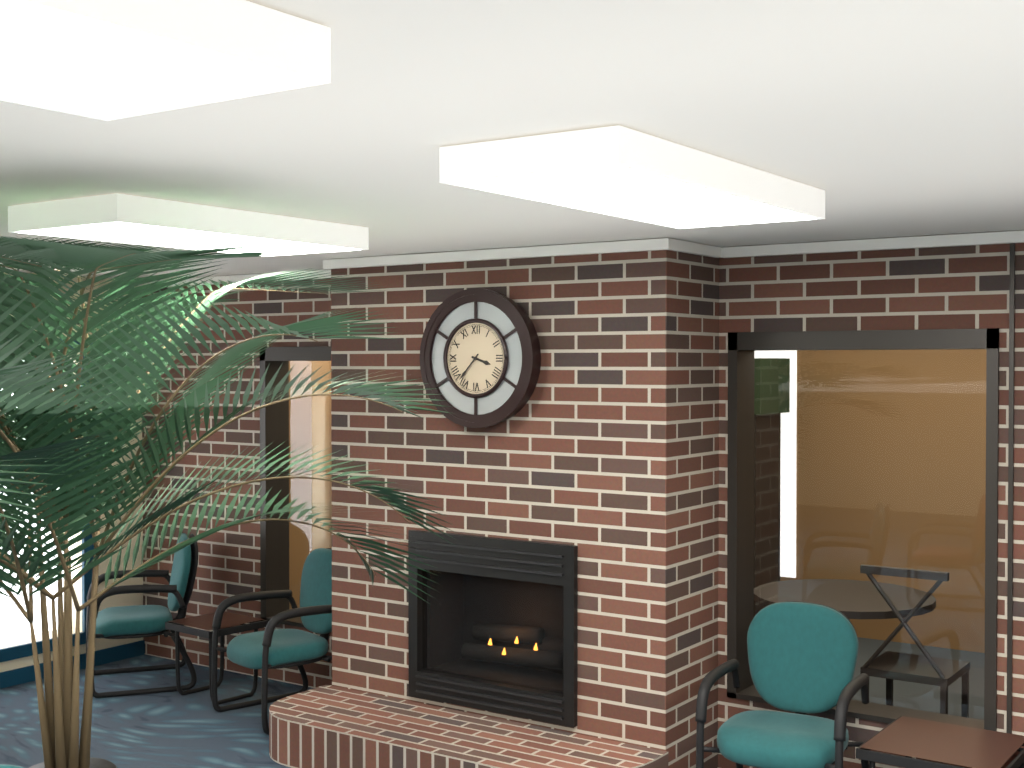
**3:37**
